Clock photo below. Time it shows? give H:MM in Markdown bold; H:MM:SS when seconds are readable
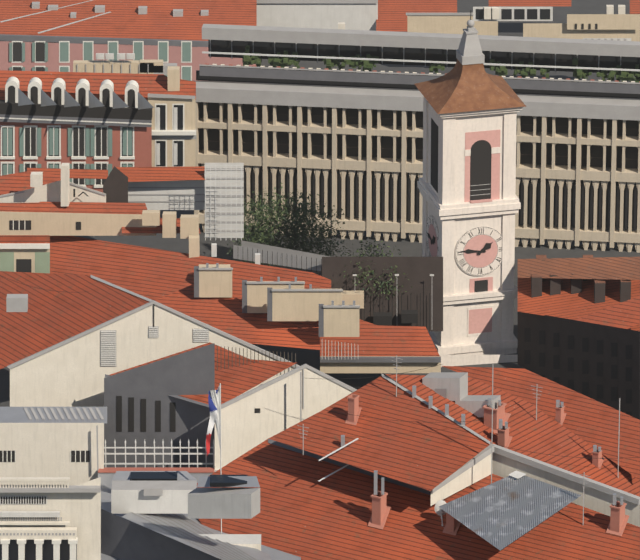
**1:46**
